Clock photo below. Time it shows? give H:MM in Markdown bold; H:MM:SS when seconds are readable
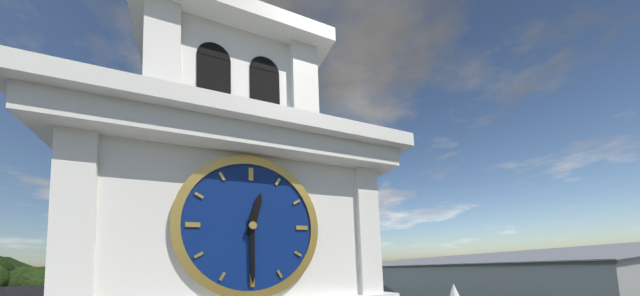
**12:30**
